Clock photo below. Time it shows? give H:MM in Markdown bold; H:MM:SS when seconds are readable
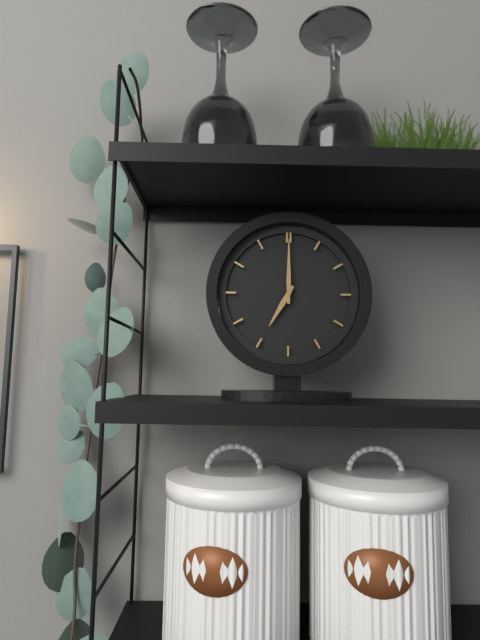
**7:00**
